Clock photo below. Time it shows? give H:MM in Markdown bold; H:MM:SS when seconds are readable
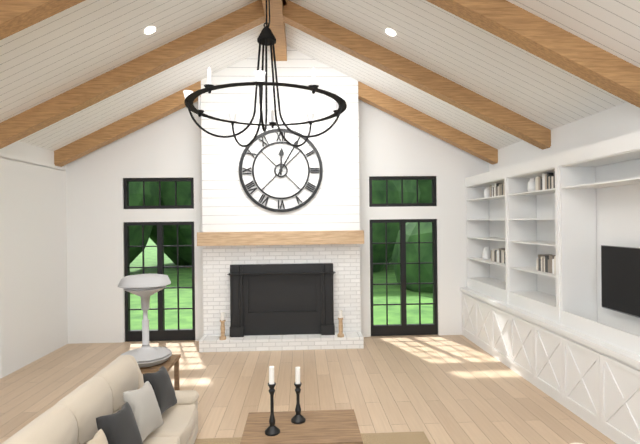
**12:05**
